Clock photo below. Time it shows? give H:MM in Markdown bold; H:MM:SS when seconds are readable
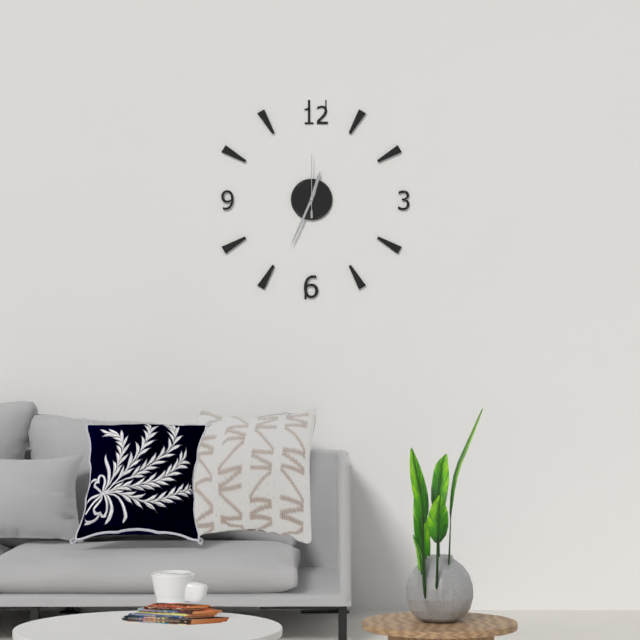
**12:34:00**
